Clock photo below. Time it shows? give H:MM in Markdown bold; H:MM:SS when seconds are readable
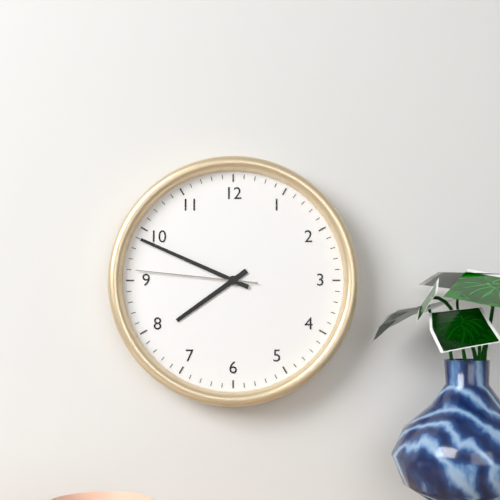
**7:49:46**
